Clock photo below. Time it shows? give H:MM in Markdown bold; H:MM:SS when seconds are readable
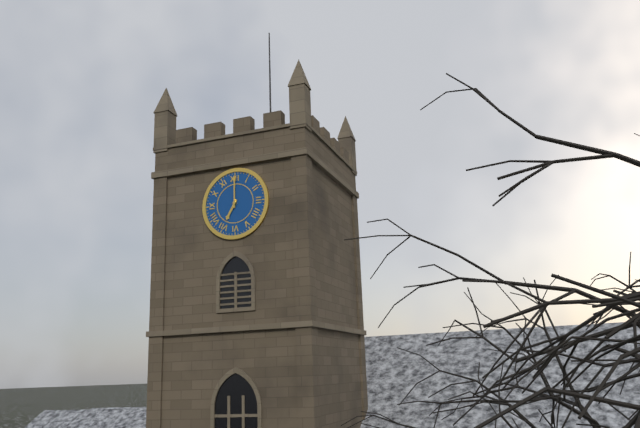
**7:00**
